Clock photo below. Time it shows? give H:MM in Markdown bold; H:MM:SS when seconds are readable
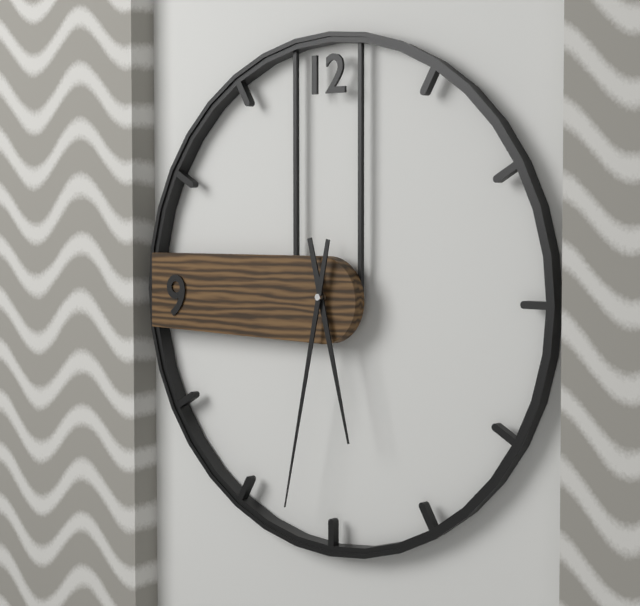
**5:32**
